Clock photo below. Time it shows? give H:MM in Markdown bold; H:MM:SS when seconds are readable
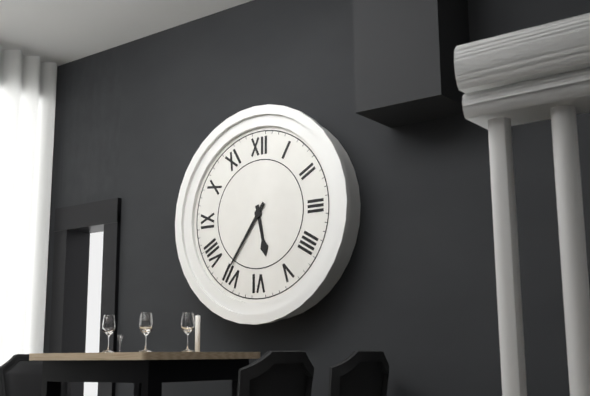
**5:36**
